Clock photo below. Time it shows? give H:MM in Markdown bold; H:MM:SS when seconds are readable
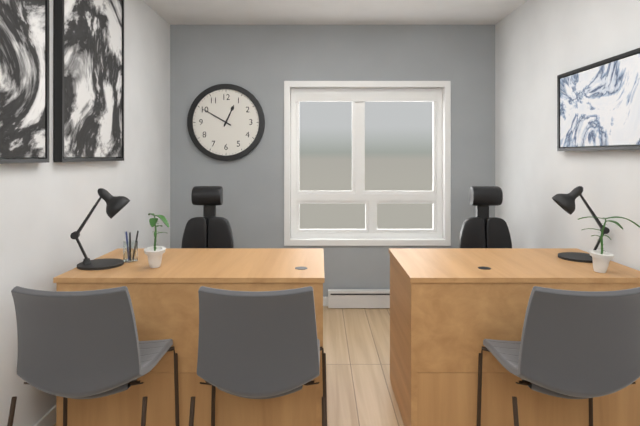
**12:50**
